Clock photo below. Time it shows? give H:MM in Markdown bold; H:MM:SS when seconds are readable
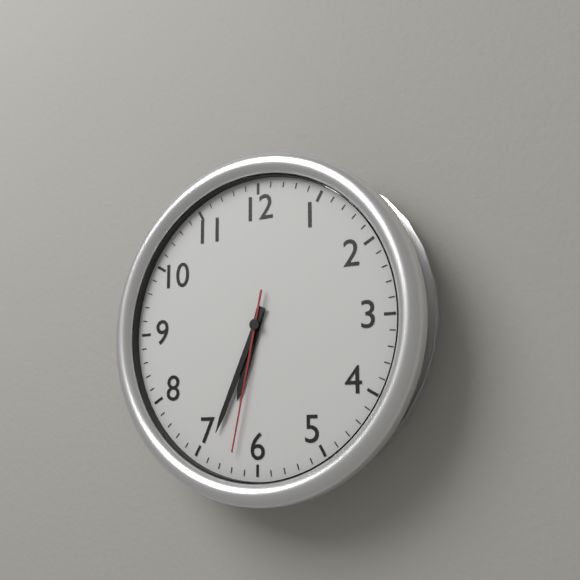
**6:34:32**
